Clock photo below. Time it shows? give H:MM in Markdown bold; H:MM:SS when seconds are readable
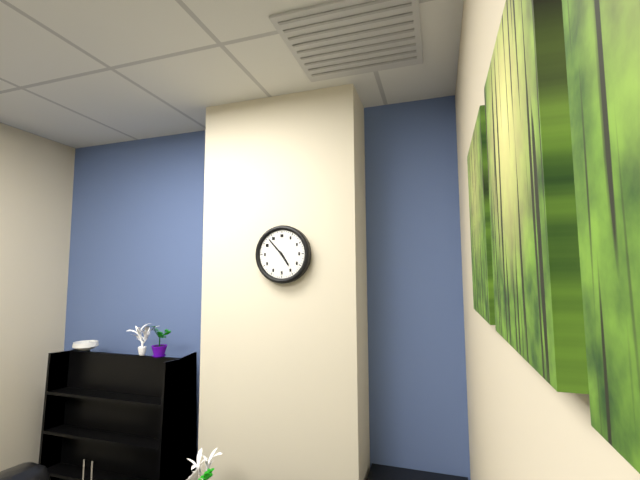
**4:53**
